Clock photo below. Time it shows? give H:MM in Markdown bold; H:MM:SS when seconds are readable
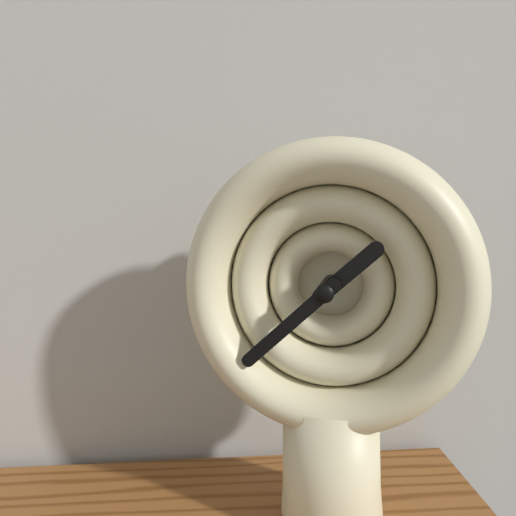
**1:38**
